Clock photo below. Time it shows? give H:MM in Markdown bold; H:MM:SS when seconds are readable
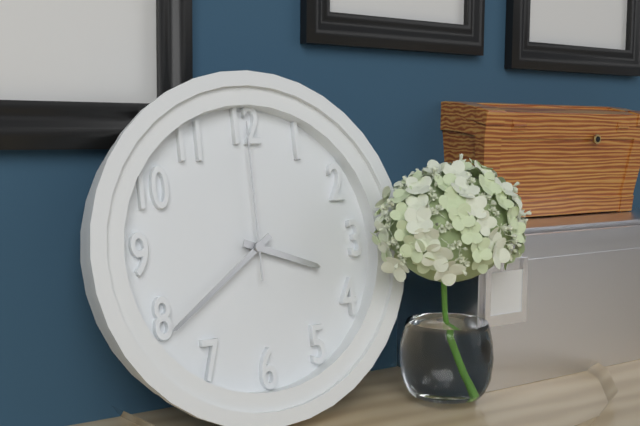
**3:39:00**
